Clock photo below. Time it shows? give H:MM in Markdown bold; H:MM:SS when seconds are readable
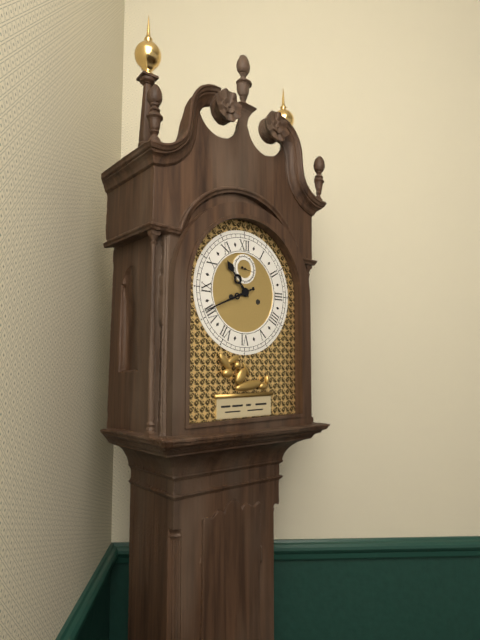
**10:41**
